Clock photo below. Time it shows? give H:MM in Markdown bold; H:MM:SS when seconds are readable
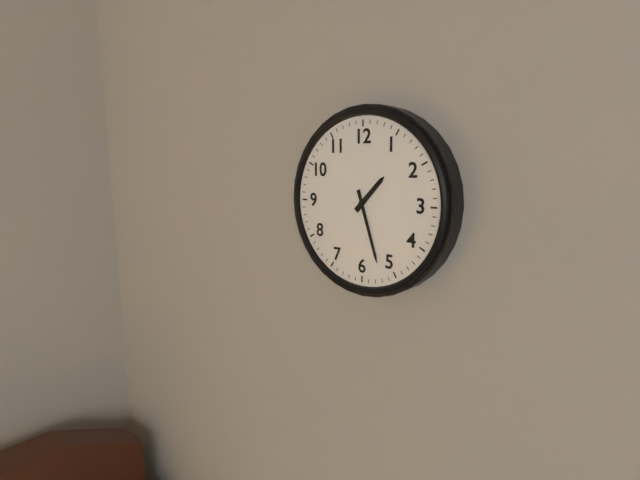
**1:27**
